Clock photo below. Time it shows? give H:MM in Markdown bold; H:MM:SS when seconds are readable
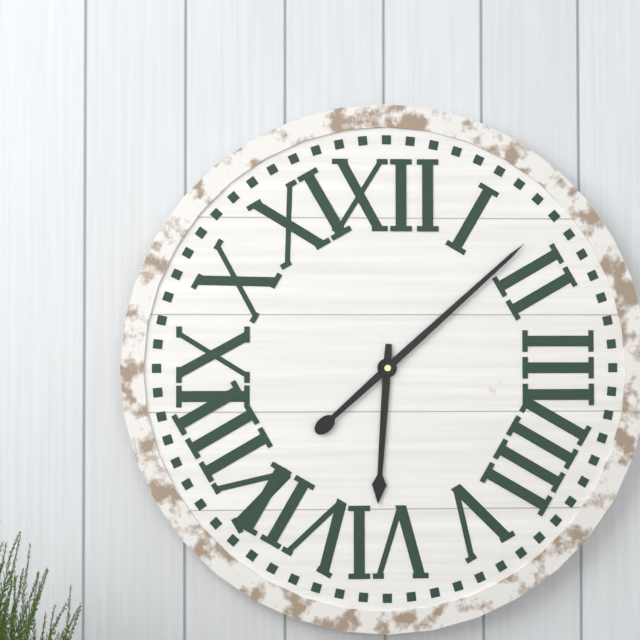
**6:08**
